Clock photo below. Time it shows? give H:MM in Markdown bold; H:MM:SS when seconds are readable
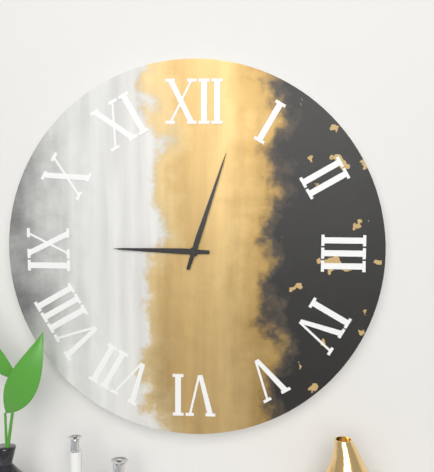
**9:03**
